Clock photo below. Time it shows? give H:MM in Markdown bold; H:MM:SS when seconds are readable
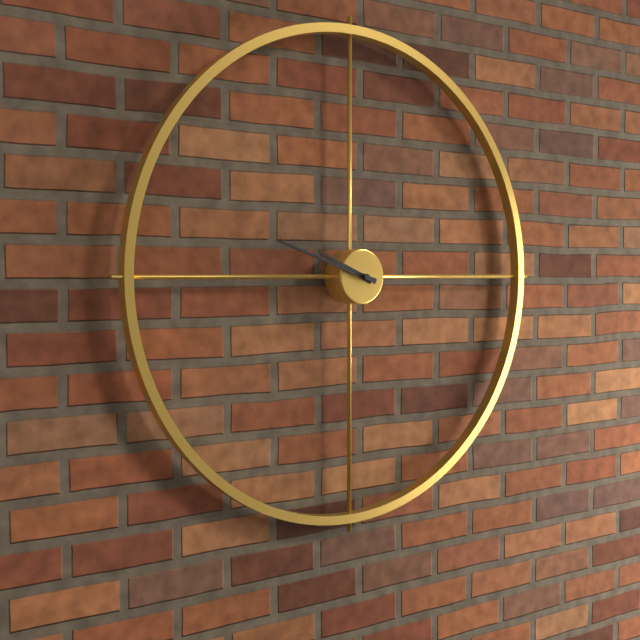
**9:48**
